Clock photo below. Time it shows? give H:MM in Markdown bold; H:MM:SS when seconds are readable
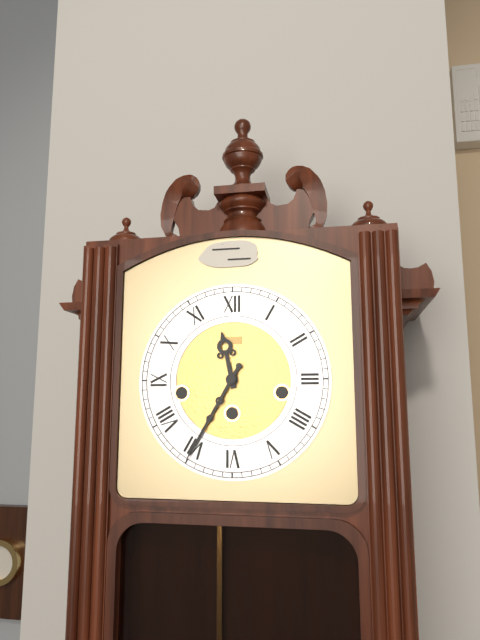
**11:35**
